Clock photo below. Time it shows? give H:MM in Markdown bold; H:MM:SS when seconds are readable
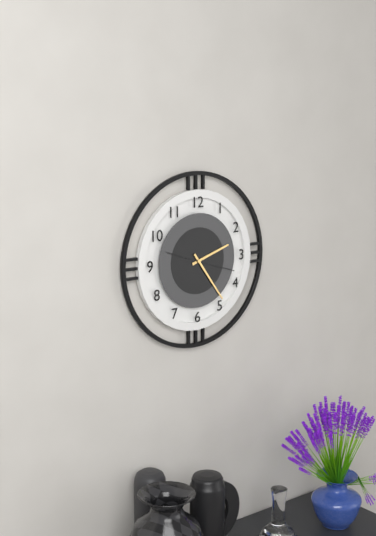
**2:24**
